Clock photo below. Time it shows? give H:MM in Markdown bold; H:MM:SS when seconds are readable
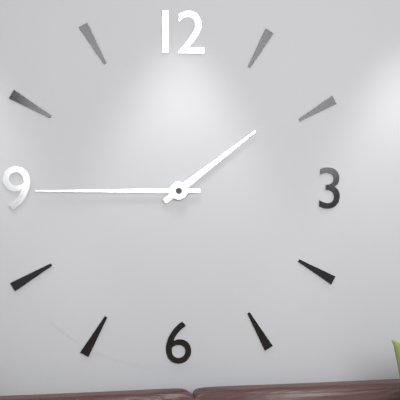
**1:45**
